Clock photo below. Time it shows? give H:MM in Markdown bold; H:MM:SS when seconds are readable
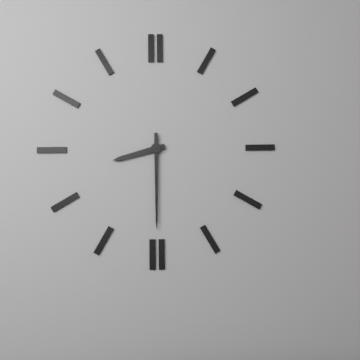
**8:30**
